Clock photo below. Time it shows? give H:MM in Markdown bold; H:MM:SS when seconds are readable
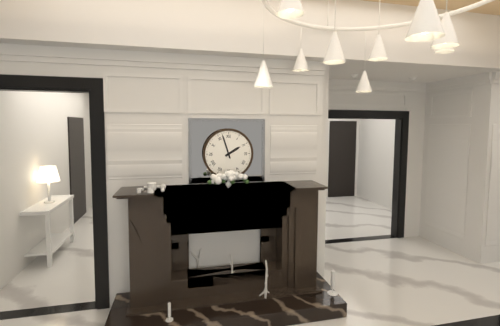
**1:57**
